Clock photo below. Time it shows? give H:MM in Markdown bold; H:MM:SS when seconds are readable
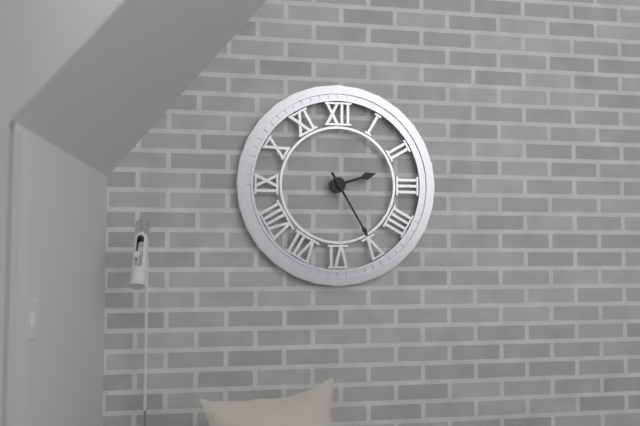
**2:25**
